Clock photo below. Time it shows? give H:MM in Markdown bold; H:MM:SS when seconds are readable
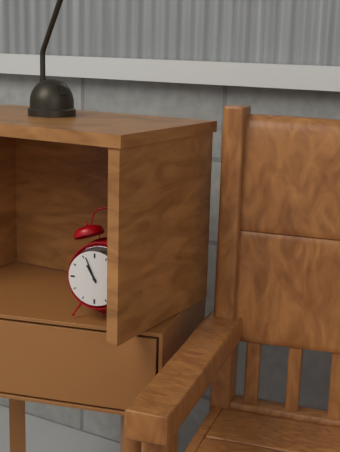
**10:56**
